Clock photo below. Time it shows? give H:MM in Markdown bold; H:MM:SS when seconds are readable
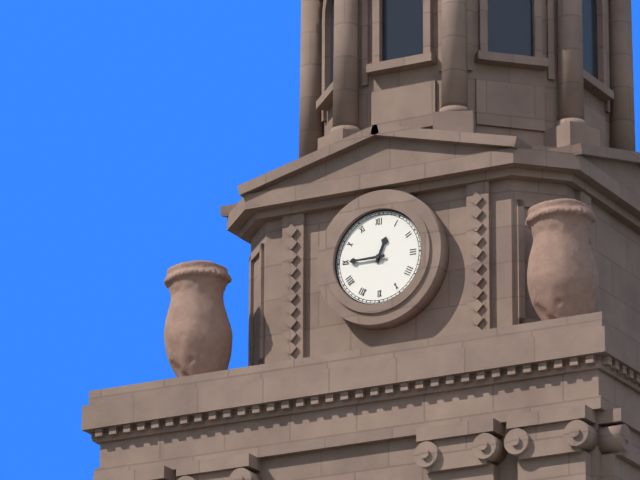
**12:45**
